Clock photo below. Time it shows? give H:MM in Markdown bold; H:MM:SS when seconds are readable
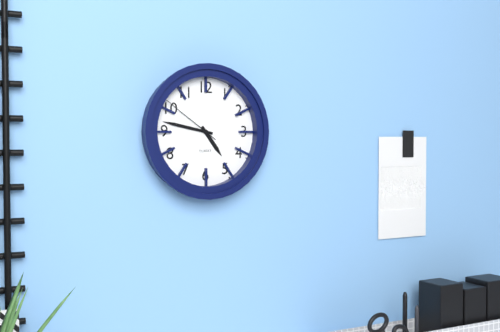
**4:47:51**
